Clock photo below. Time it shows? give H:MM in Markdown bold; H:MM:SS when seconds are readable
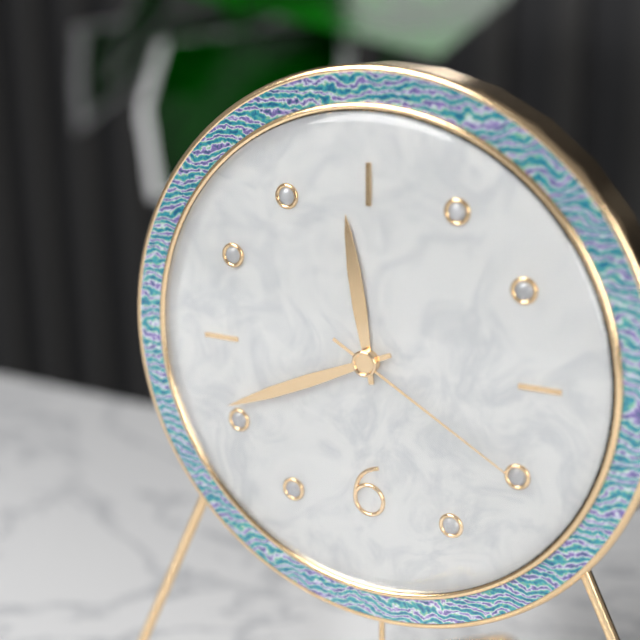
**11:41:20**
